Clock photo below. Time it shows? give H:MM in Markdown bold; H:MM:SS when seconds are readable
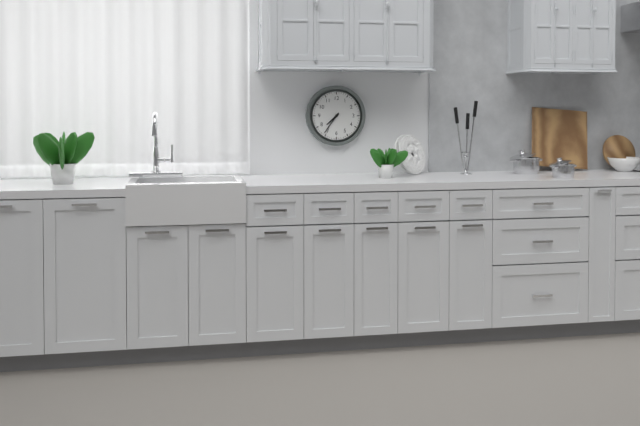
**7:36**
